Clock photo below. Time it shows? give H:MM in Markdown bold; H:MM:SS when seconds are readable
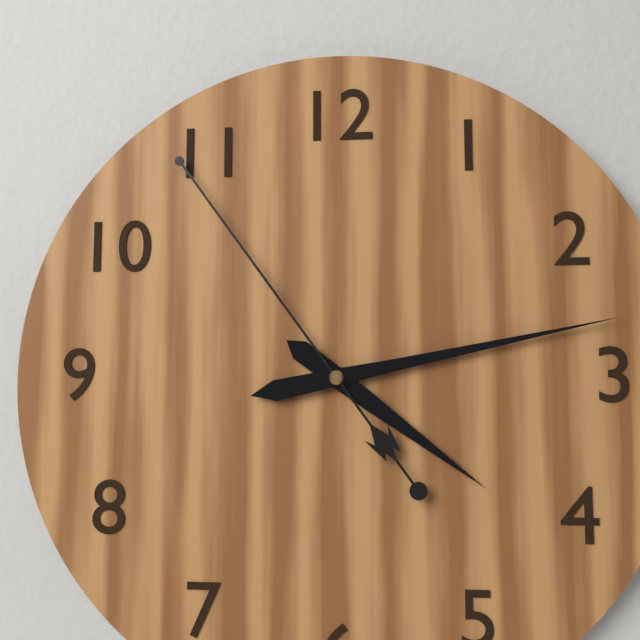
**4:13:54**
